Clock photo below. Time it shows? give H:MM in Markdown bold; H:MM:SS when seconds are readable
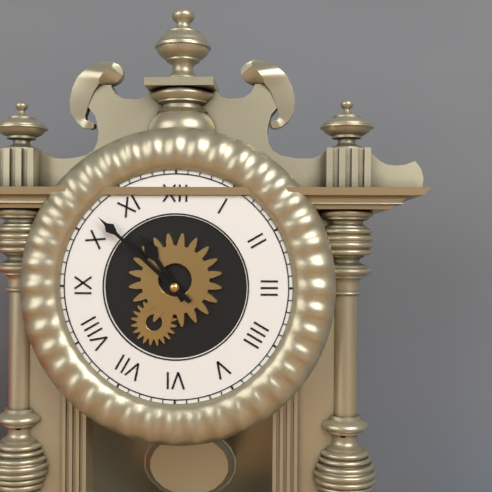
**10:52**
